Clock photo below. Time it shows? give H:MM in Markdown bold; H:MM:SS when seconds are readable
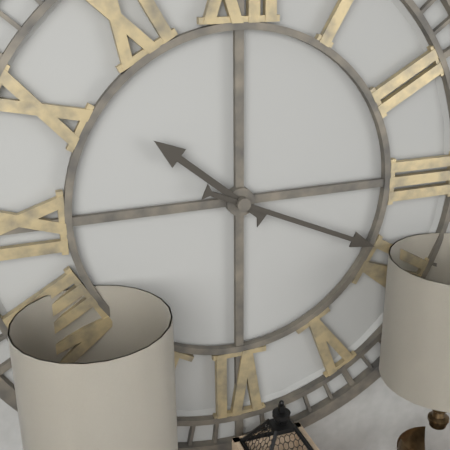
**10:19**
